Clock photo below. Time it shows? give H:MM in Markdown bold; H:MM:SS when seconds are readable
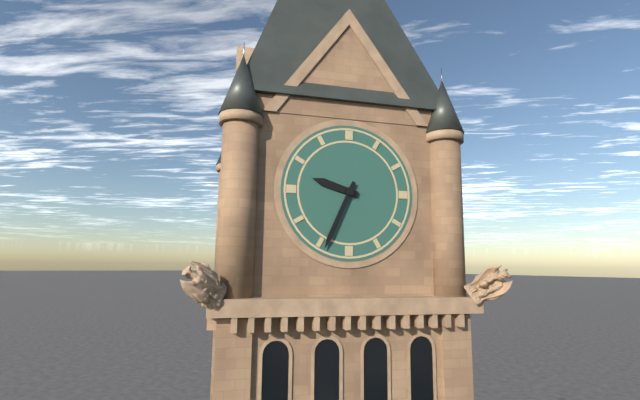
**9:34**
